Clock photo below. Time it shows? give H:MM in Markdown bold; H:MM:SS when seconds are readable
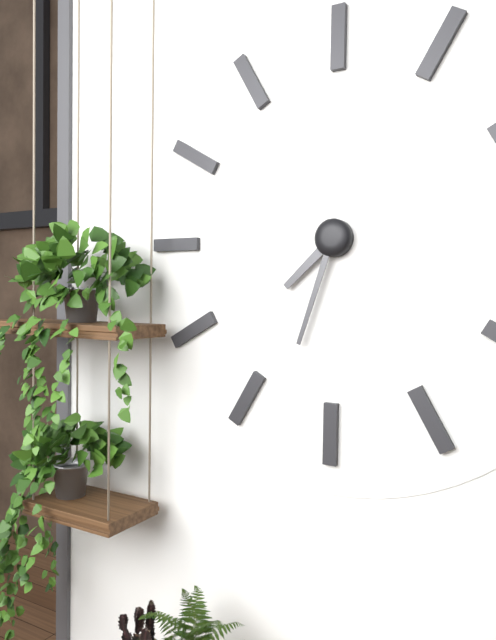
**7:33**
